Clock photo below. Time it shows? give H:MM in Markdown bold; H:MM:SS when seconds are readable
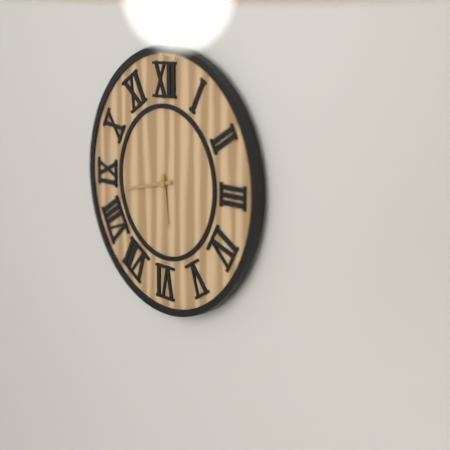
**5:43**
